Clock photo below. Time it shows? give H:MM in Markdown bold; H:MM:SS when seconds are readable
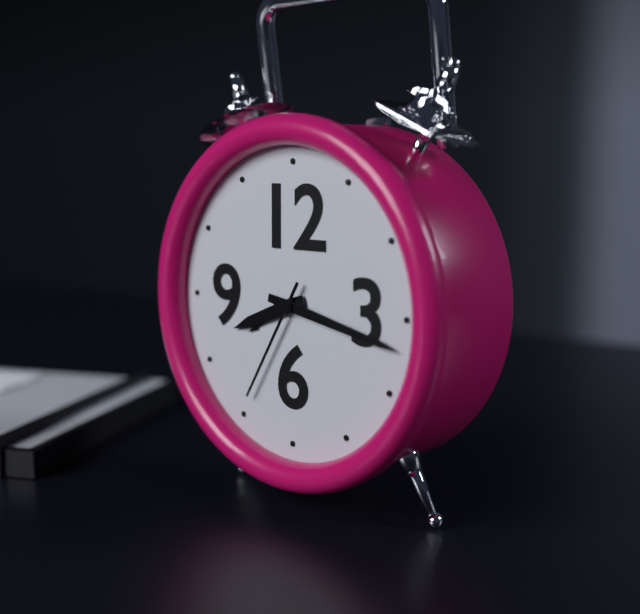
**8:17:35**
